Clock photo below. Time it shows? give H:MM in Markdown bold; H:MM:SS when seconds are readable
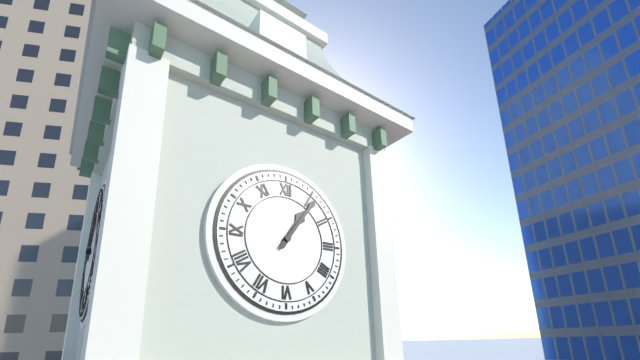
**1:06**
